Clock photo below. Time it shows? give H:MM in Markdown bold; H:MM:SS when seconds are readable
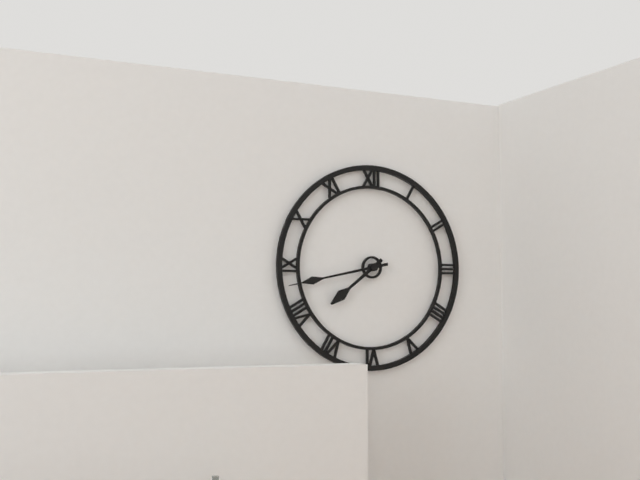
**7:43**
